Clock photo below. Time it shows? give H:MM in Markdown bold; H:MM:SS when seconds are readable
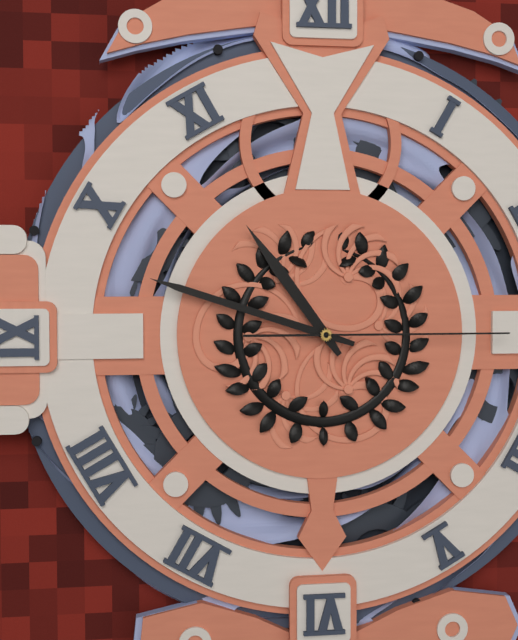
**10:48:15**
